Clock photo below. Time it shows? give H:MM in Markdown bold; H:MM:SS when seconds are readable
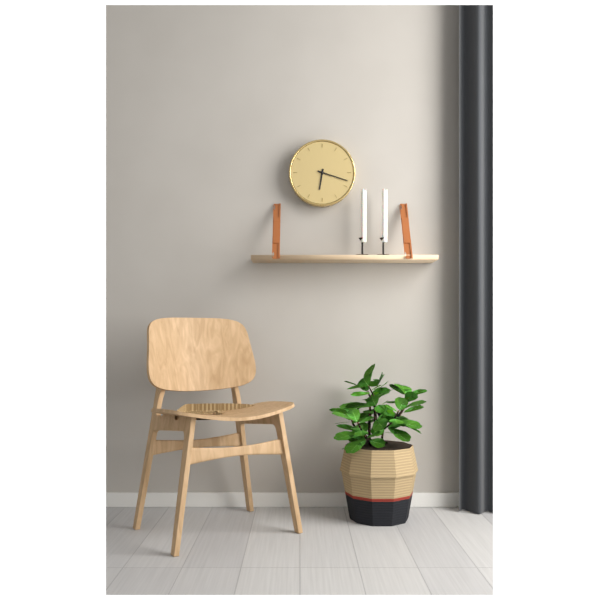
**6:18**
